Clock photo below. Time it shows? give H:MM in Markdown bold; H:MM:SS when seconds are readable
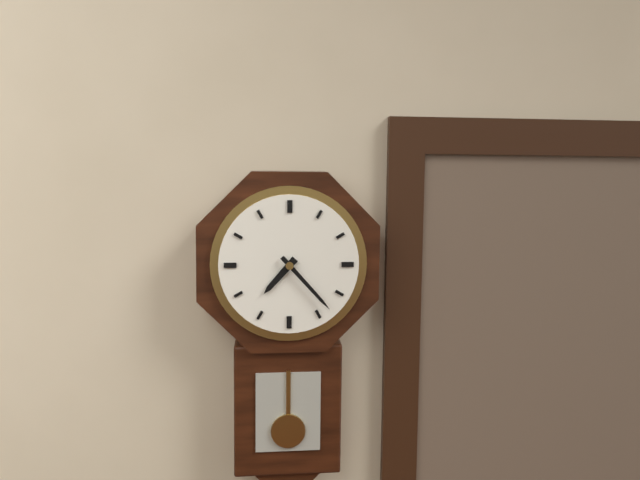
**7:23**
